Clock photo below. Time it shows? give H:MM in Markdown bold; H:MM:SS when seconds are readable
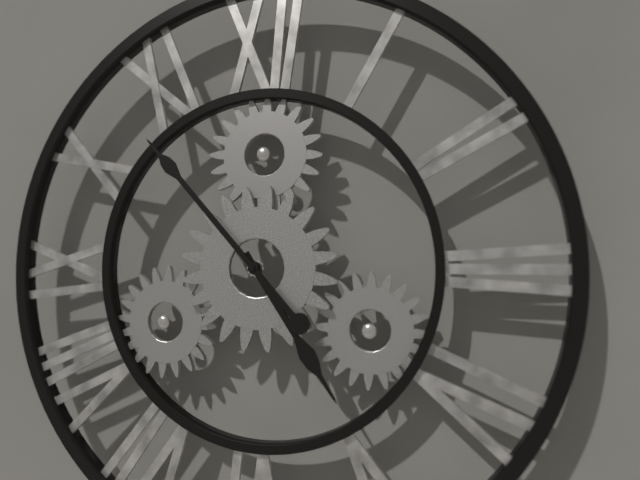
**4:53**
